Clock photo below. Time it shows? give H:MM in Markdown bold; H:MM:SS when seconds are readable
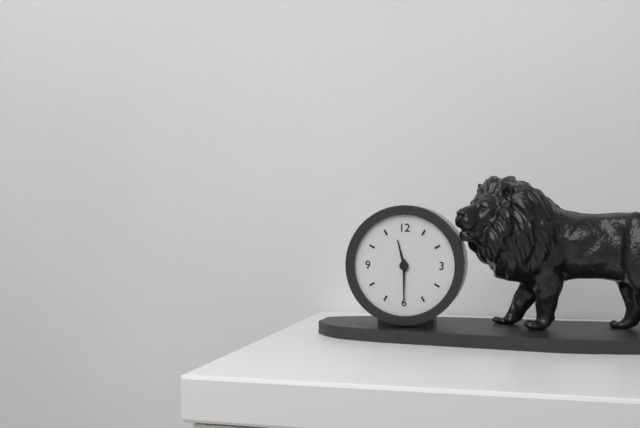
**11:30**
